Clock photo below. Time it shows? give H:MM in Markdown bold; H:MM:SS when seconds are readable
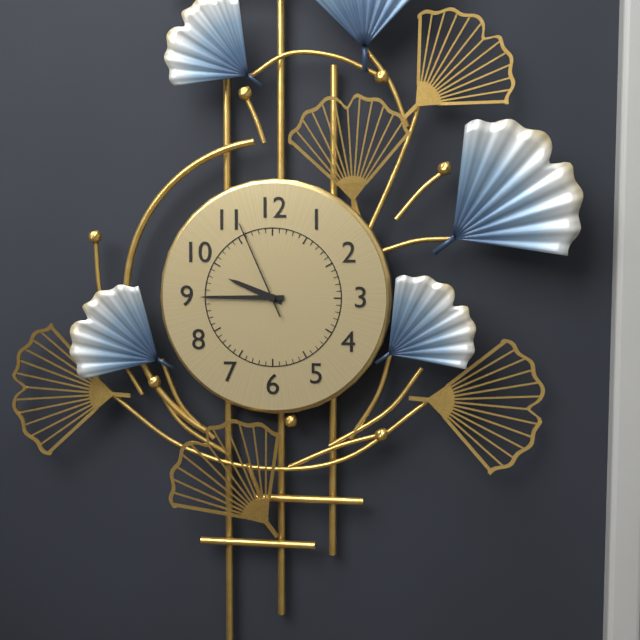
**9:45:56**
